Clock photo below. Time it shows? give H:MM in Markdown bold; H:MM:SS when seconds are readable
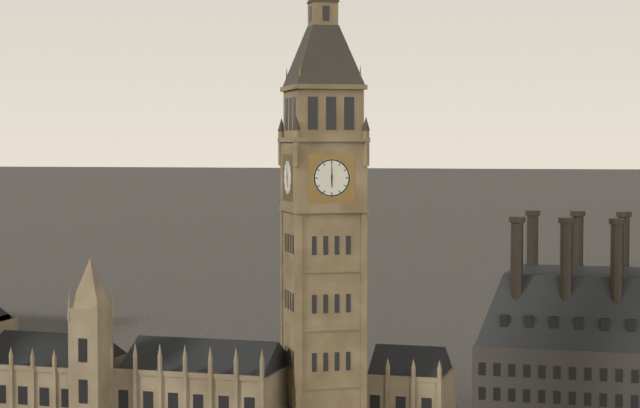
**6:00**
